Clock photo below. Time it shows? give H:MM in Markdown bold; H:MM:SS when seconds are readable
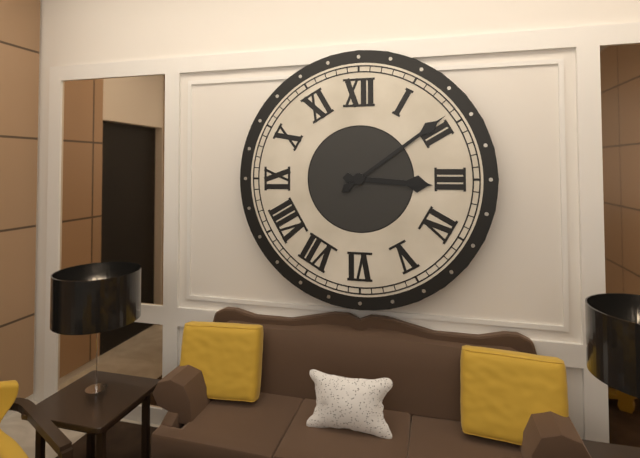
**3:09**
